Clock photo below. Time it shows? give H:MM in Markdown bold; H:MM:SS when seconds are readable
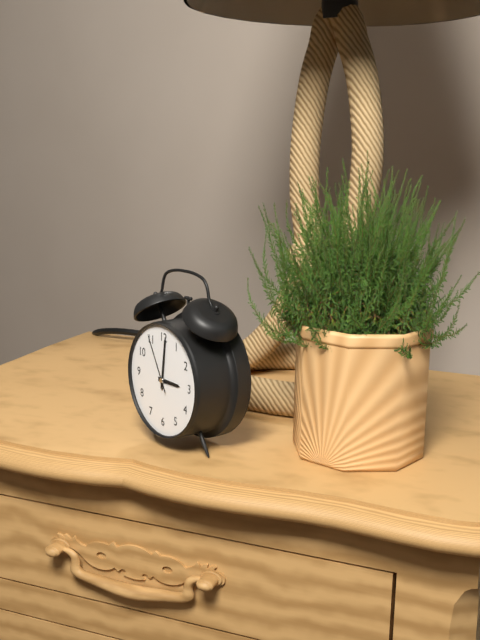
**3:01:55**
